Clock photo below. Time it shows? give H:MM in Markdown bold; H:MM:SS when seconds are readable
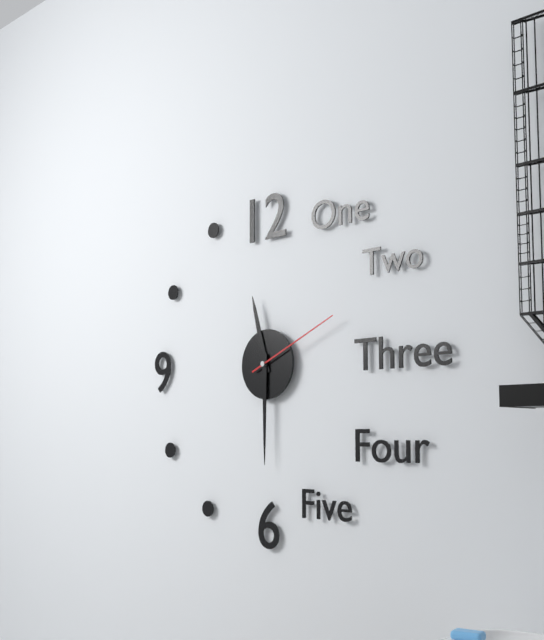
**11:30:11**
